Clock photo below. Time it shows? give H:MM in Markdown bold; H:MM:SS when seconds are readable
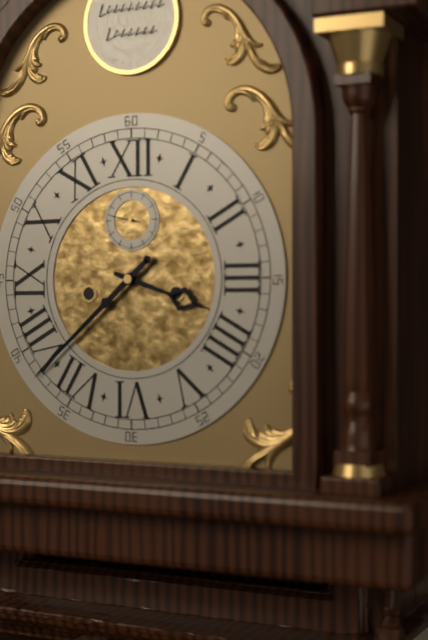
**3:38:47**
